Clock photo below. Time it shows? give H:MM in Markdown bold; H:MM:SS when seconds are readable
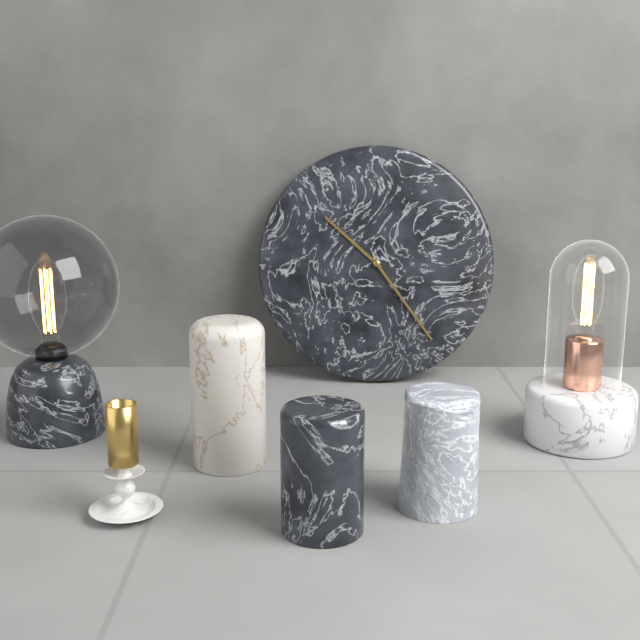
**10:24**
